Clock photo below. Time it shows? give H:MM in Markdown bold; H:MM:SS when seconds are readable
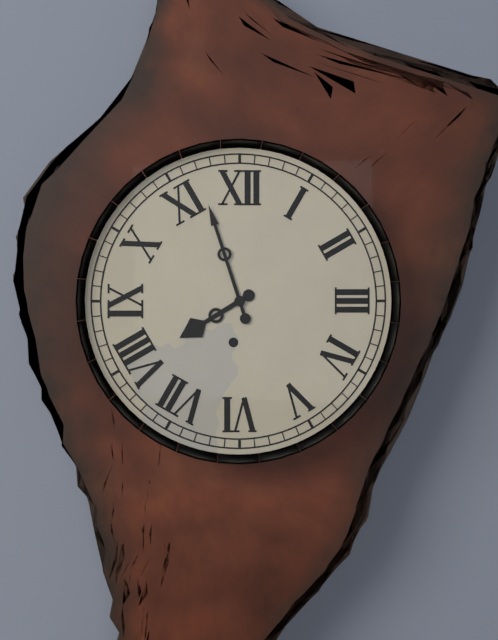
**7:57**
